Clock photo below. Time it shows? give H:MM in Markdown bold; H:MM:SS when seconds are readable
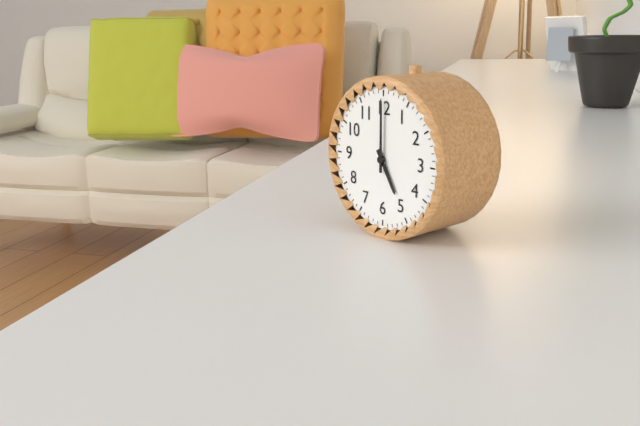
**5:00**
